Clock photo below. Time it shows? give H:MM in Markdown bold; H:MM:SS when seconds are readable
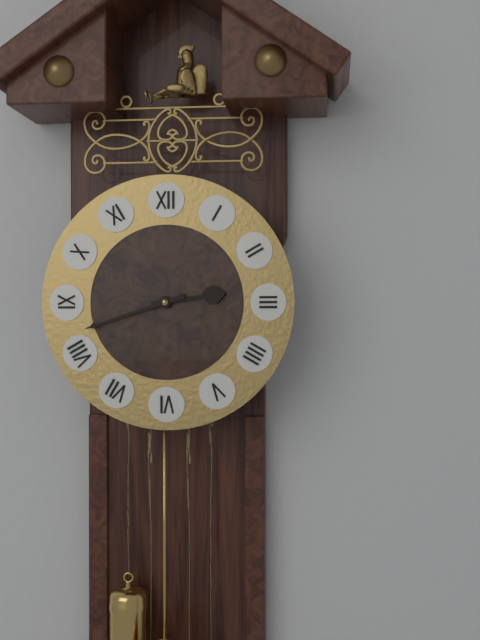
**2:42**
